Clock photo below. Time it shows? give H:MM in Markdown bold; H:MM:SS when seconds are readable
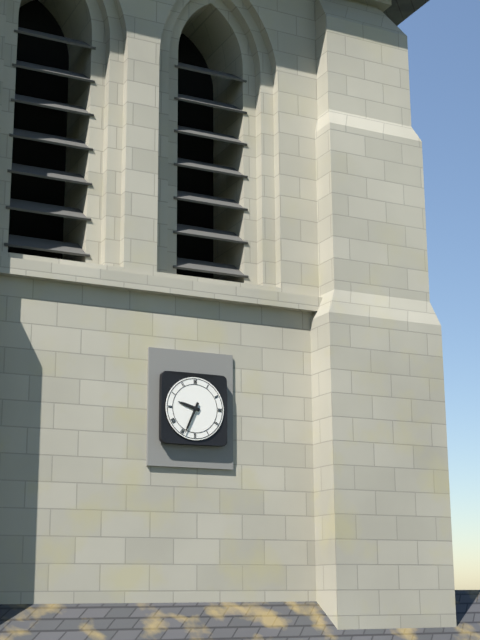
**9:34**
